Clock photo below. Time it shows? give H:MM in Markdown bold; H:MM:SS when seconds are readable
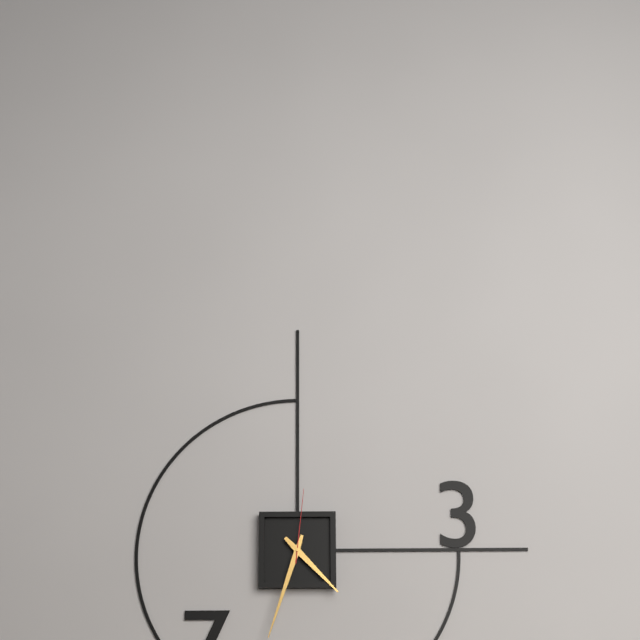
**4:33:01**
